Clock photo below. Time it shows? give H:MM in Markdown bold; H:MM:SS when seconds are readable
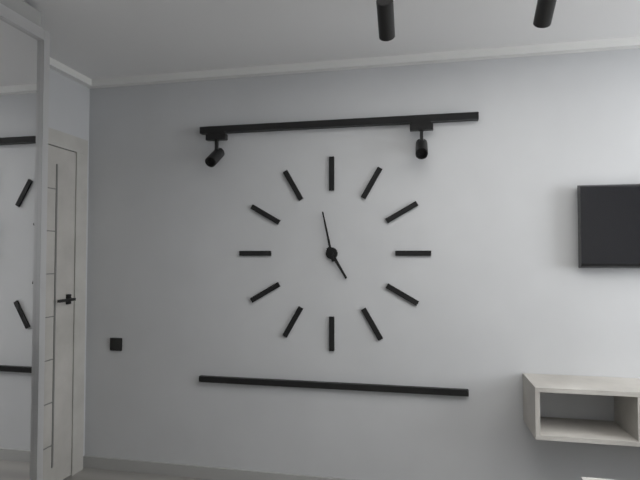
**4:58**
